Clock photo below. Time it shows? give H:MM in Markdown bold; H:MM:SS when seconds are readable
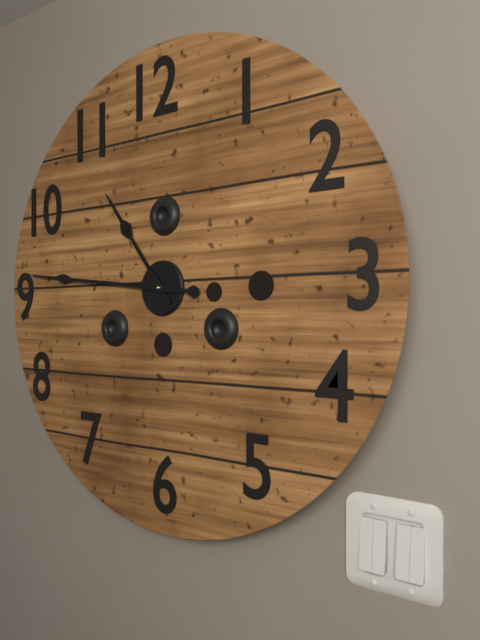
**10:46**
